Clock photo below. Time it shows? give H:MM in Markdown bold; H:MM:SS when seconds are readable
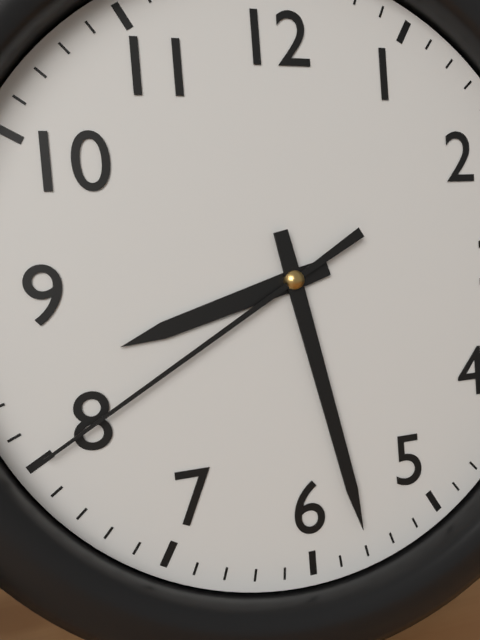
**8:28:40**
